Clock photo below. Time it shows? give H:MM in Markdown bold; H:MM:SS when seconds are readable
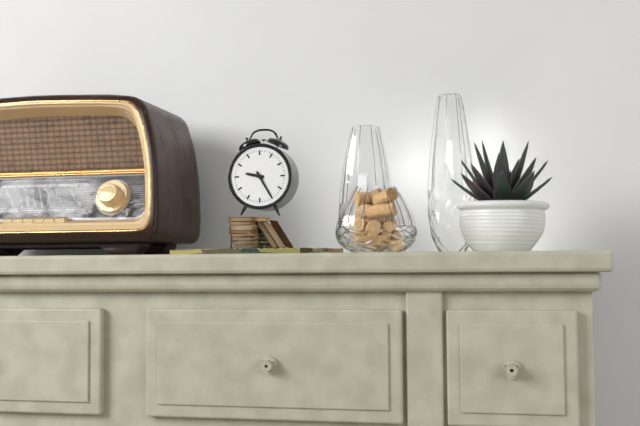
**9:25**
